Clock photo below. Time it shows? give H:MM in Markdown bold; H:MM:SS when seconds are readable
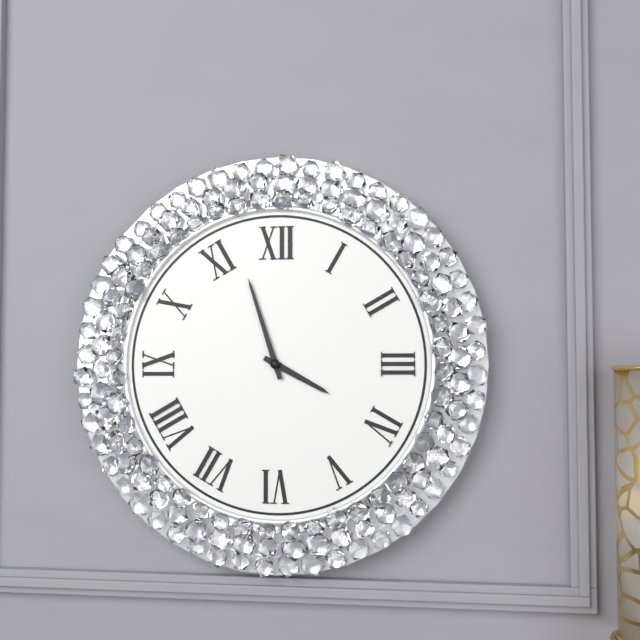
**3:57**
